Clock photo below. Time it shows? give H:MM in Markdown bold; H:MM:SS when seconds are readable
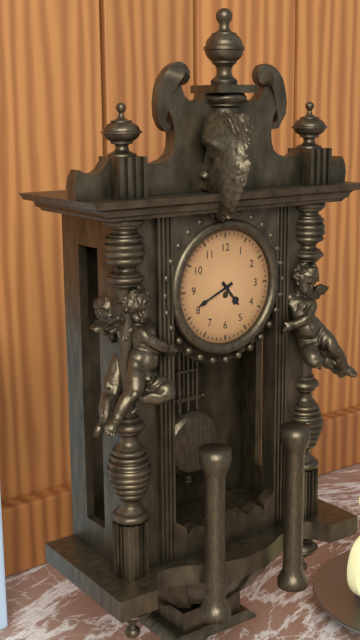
**4:41**
